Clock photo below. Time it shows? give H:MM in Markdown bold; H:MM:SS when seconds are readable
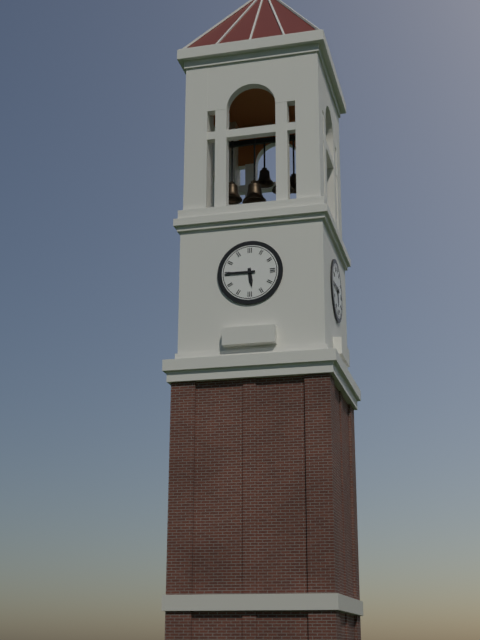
**5:45**
